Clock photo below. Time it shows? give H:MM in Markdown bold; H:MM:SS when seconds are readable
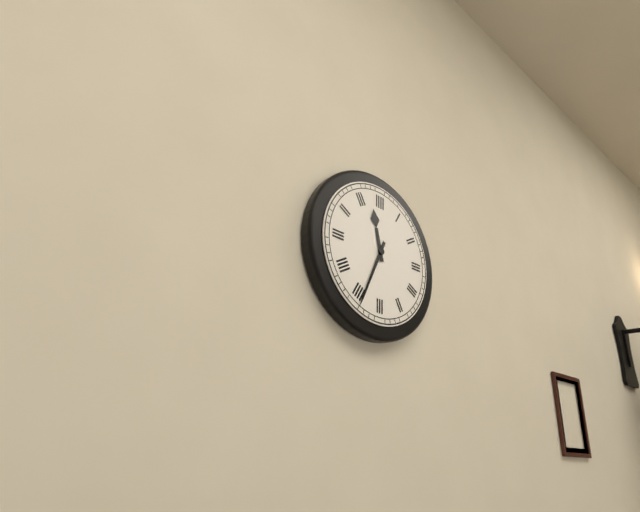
**11:34**
